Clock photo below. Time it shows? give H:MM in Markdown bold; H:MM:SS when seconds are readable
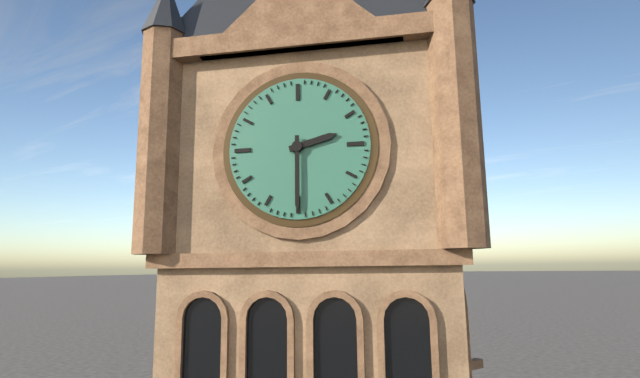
**2:30**
